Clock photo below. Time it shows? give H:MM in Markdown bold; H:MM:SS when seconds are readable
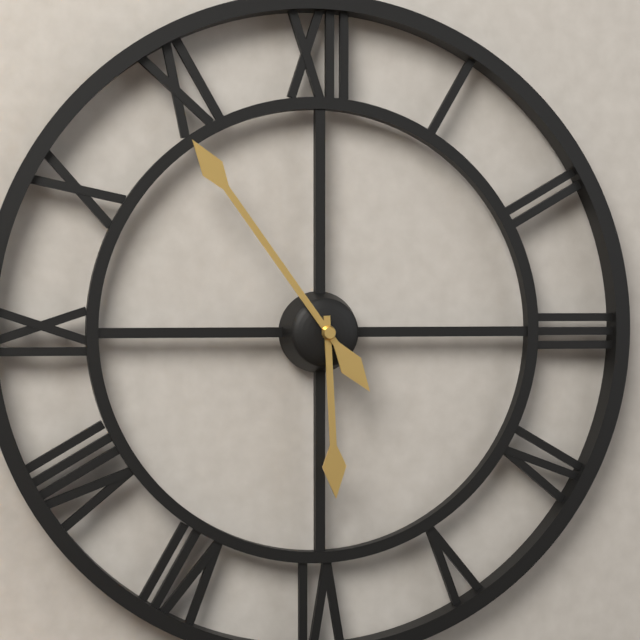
**5:54**
